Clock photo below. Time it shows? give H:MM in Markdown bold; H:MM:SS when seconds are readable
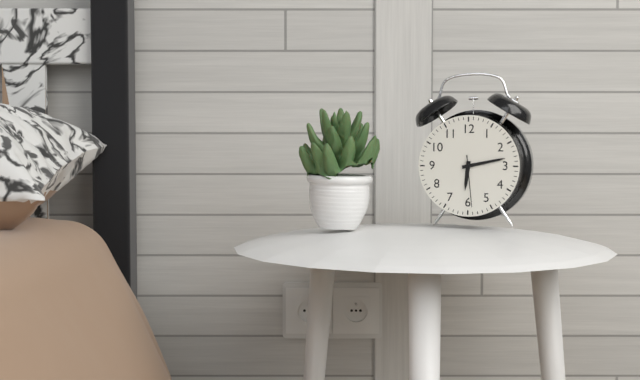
**6:13:29**
